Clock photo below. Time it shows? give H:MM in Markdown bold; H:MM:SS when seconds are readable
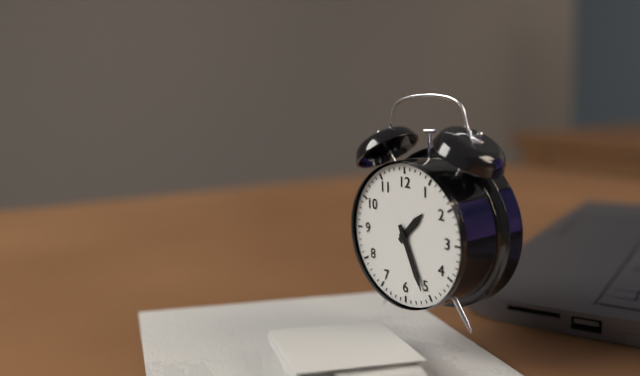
**1:26**
